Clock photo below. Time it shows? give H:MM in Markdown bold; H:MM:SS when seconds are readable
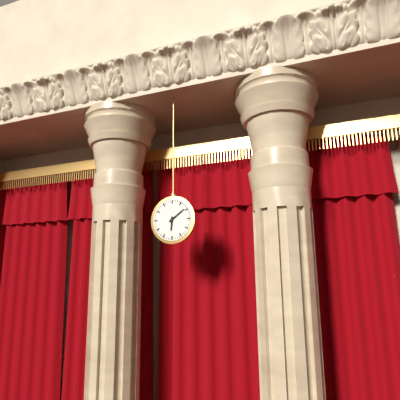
**6:09**
